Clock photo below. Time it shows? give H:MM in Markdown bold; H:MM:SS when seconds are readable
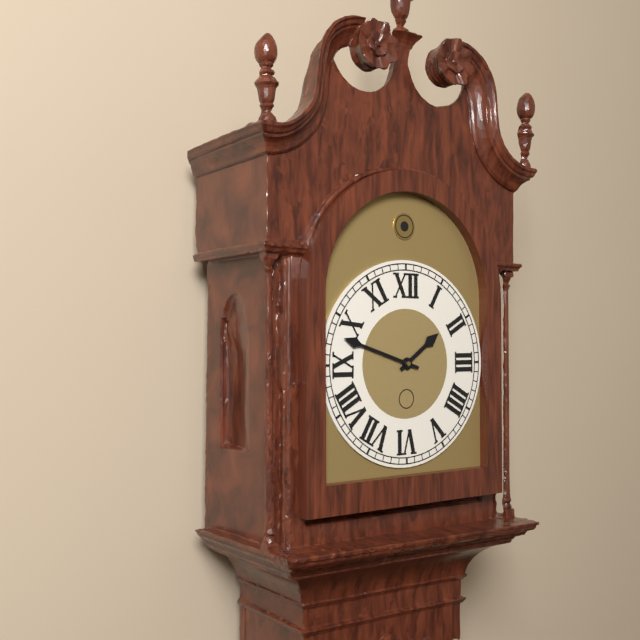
**1:48**
